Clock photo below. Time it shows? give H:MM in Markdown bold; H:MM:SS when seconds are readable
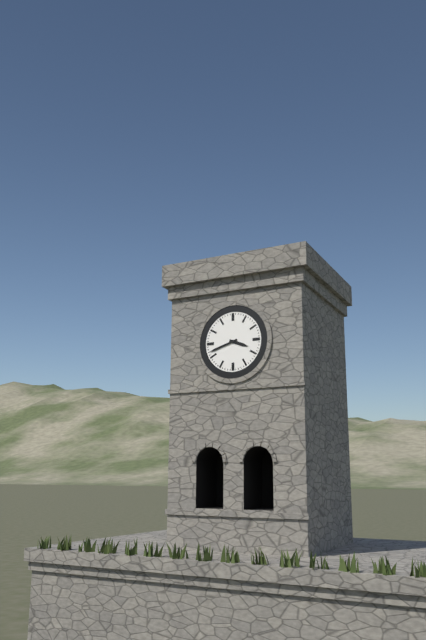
**3:42**
